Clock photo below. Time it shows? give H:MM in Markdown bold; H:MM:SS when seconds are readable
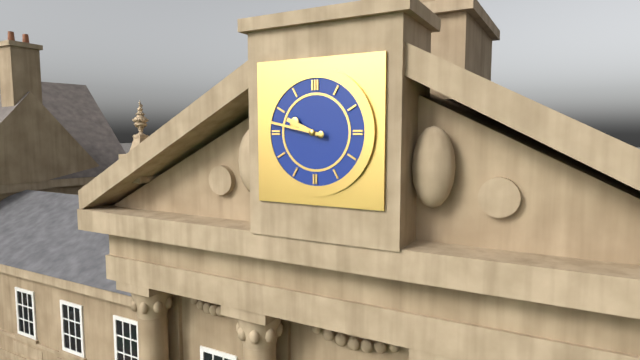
**9:47**
